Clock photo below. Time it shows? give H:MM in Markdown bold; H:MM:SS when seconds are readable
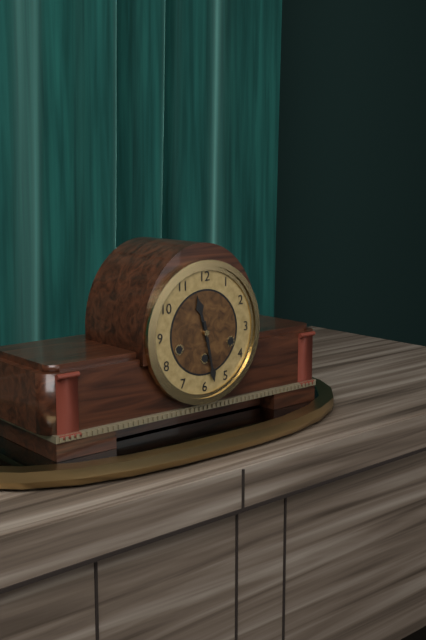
**11:28**
